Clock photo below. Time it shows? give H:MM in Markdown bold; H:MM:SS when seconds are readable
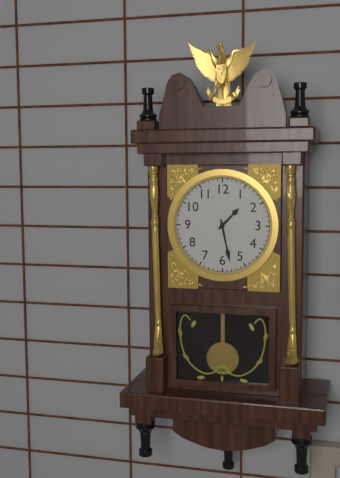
**1:28**
